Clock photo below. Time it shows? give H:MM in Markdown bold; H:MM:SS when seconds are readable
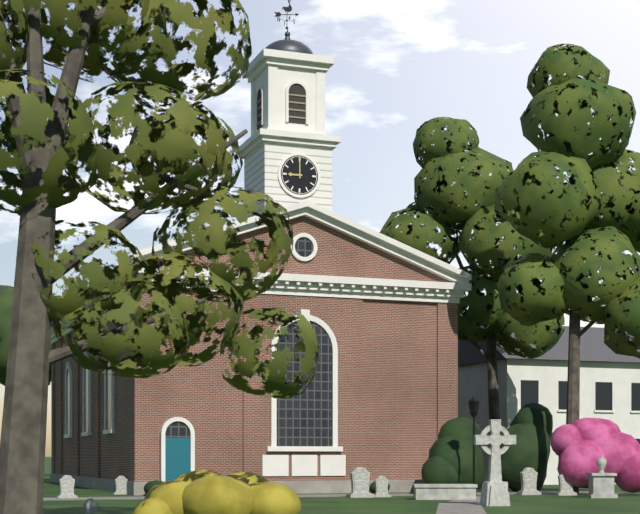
**9:00**
